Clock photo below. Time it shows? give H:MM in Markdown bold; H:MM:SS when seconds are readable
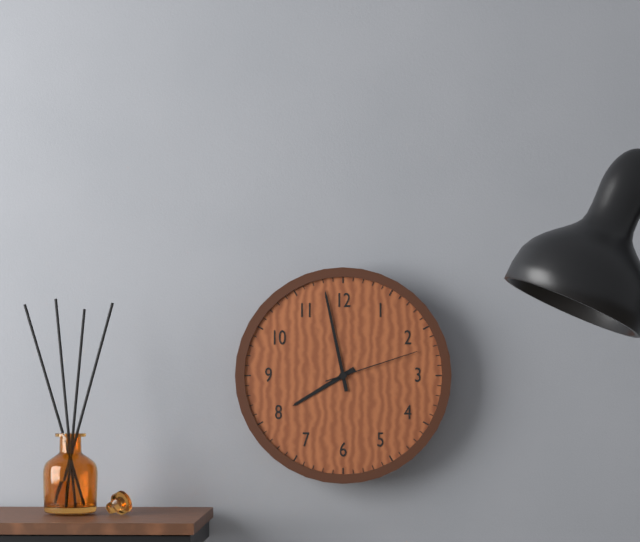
**7:58:12**
